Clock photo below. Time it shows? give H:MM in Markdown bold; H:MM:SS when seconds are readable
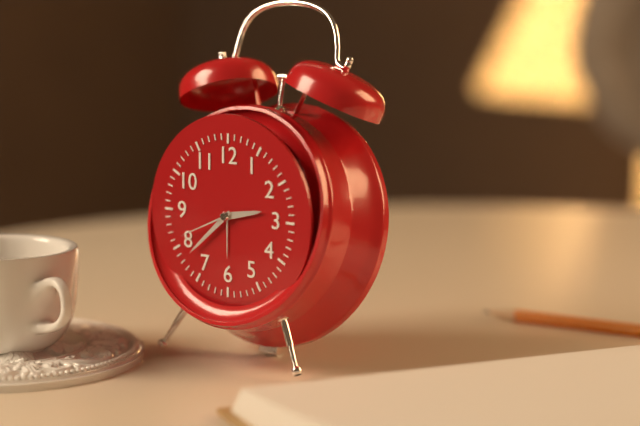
**2:38:41**
